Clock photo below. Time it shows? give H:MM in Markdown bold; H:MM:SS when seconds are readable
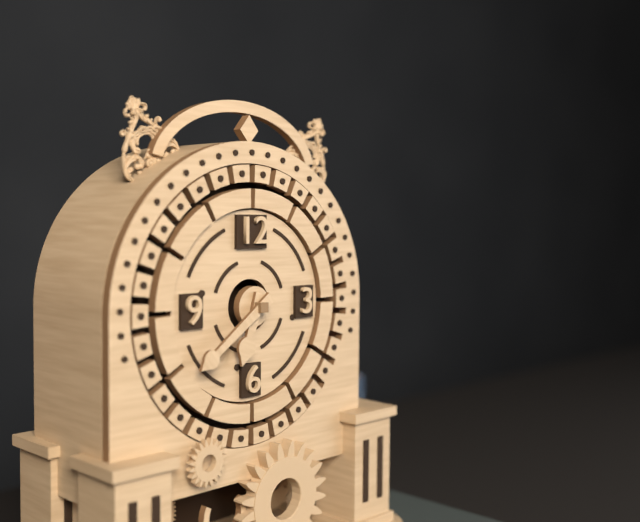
**6:39**
